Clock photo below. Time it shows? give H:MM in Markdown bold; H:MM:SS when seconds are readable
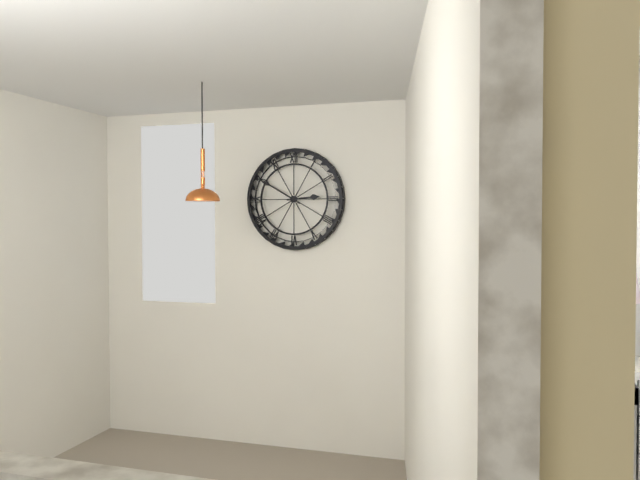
**2:50**
